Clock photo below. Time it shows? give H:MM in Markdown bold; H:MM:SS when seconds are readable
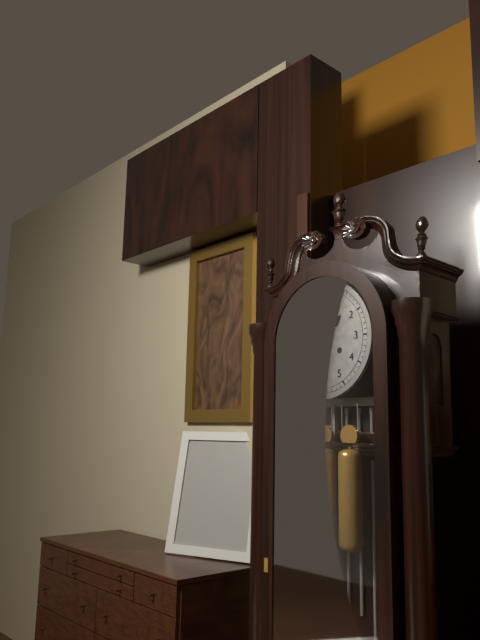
**1:33**
